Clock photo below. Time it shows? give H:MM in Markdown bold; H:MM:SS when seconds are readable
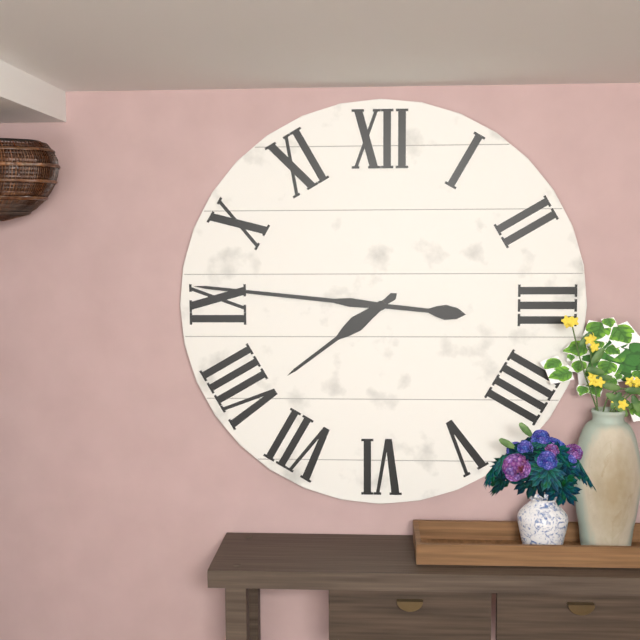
**7:46**
